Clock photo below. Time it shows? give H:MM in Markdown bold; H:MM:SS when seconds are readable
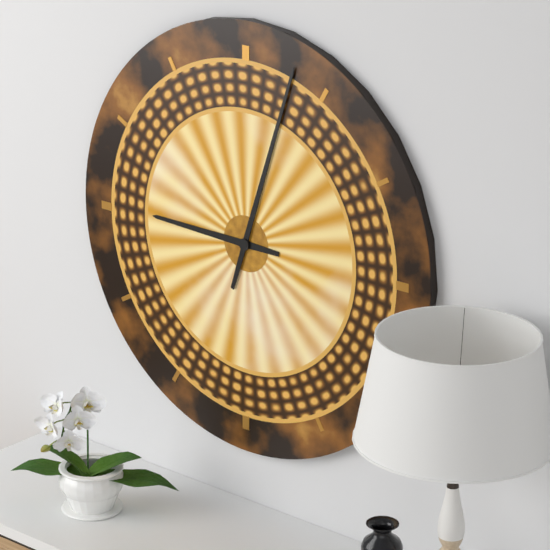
**9:03**
